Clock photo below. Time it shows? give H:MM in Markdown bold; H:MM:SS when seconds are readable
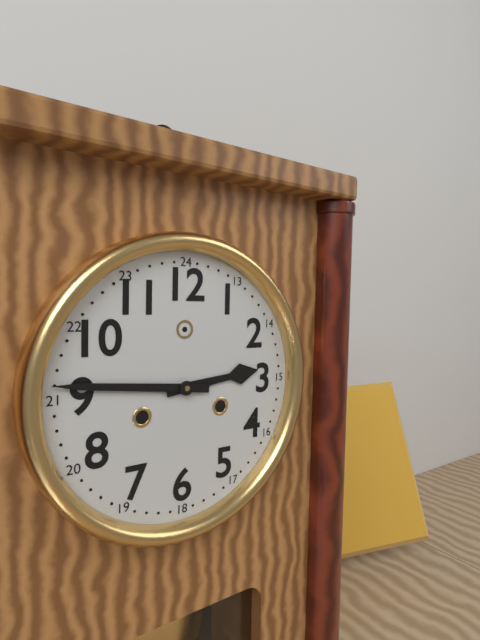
**2:46**
